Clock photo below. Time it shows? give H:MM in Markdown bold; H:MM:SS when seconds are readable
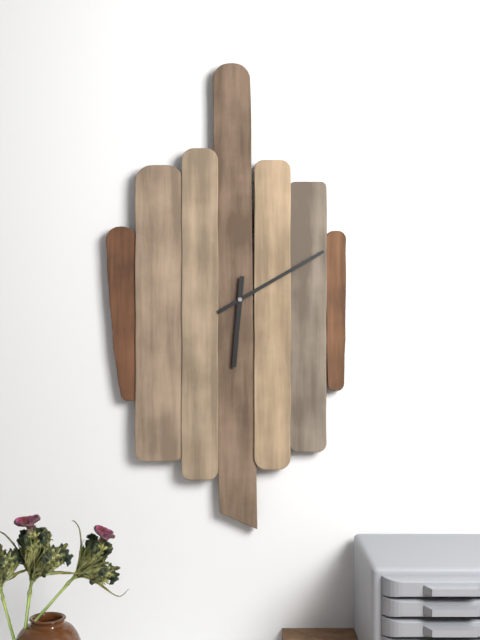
**6:10**
